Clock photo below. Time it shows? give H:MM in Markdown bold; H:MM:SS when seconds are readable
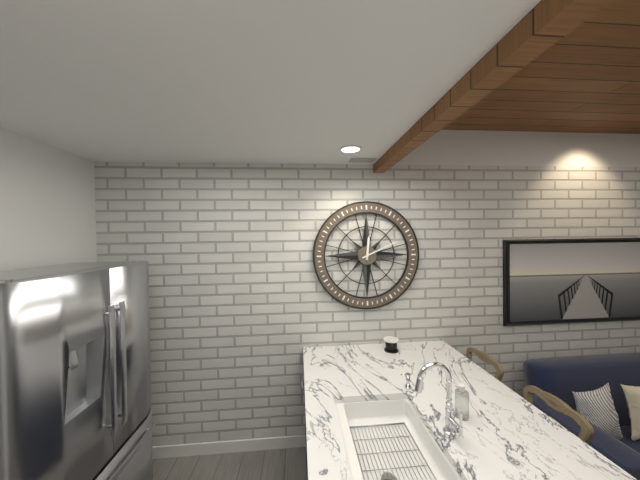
**12:11**
